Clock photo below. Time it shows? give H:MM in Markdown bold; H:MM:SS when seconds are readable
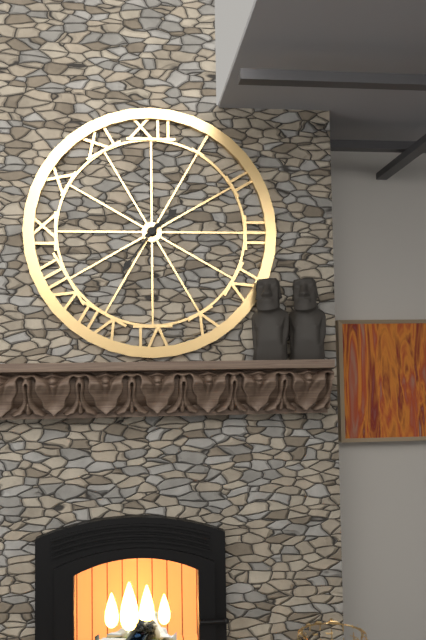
**1:36**
